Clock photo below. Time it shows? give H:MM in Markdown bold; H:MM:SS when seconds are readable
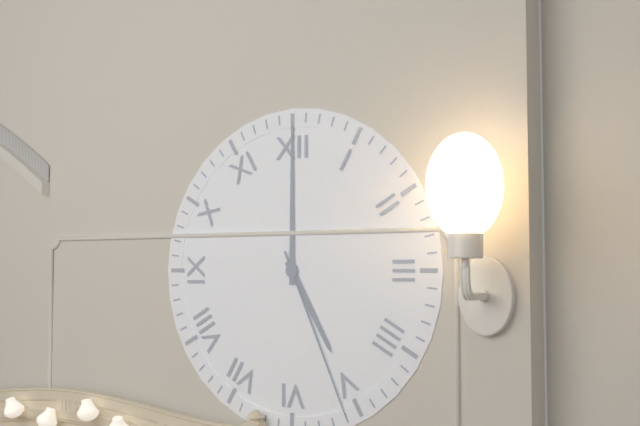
**5:00:26**
